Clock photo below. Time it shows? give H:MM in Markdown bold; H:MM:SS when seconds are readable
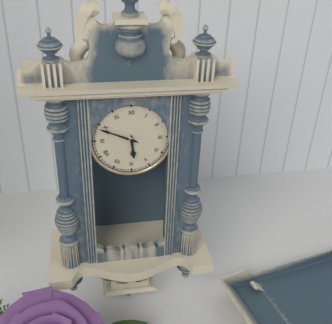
**5:49**
